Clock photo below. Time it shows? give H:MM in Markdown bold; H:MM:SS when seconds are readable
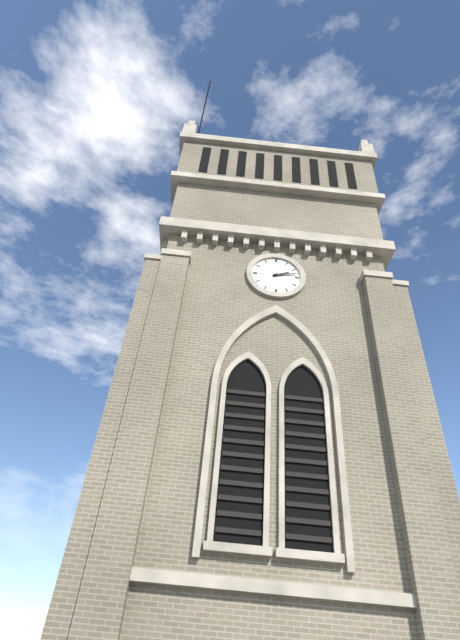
**2:13**
